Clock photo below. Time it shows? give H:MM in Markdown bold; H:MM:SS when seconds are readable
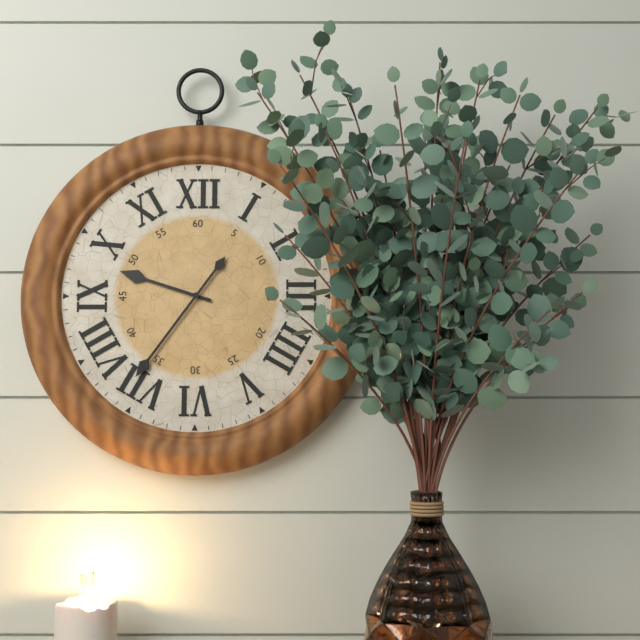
**9:36**
